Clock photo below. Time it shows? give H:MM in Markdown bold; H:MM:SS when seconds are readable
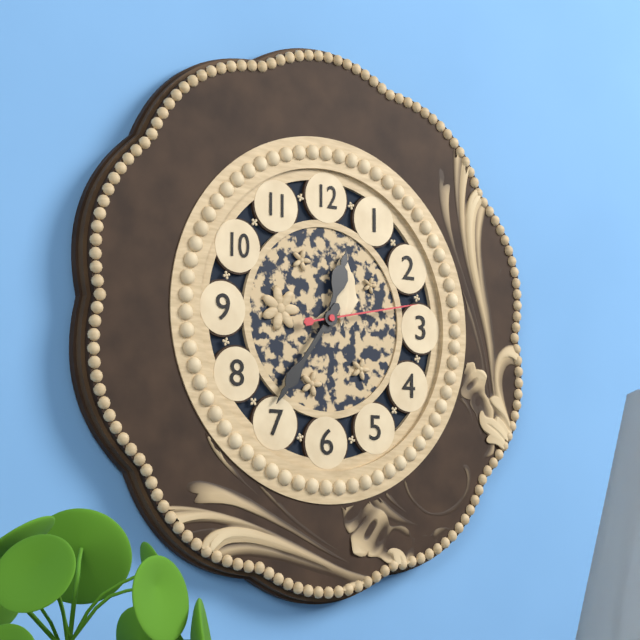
**12:36:13**
